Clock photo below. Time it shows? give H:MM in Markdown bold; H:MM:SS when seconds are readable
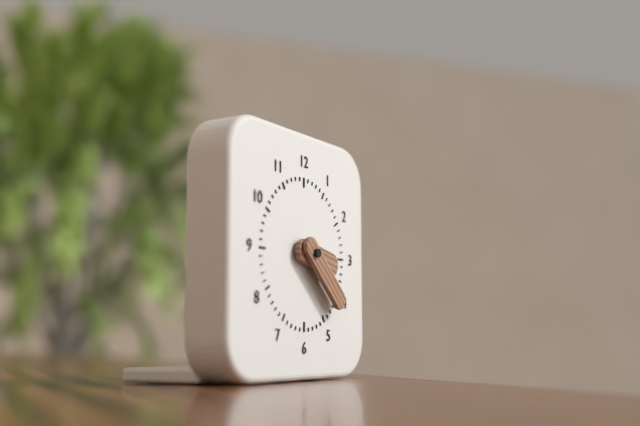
**3:22**
